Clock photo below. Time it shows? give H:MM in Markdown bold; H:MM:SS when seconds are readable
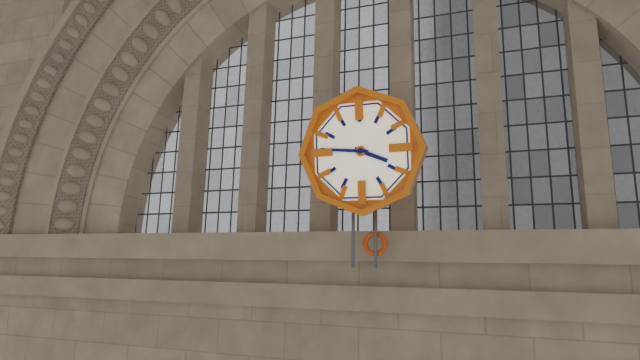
**3:46**
